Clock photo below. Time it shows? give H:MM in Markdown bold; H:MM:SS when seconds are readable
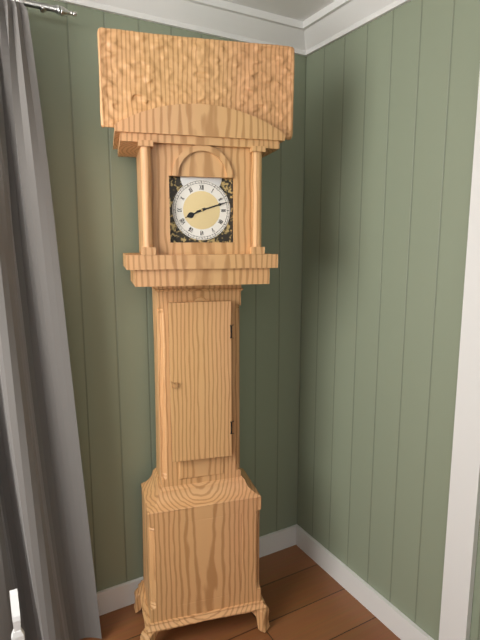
**8:12**
